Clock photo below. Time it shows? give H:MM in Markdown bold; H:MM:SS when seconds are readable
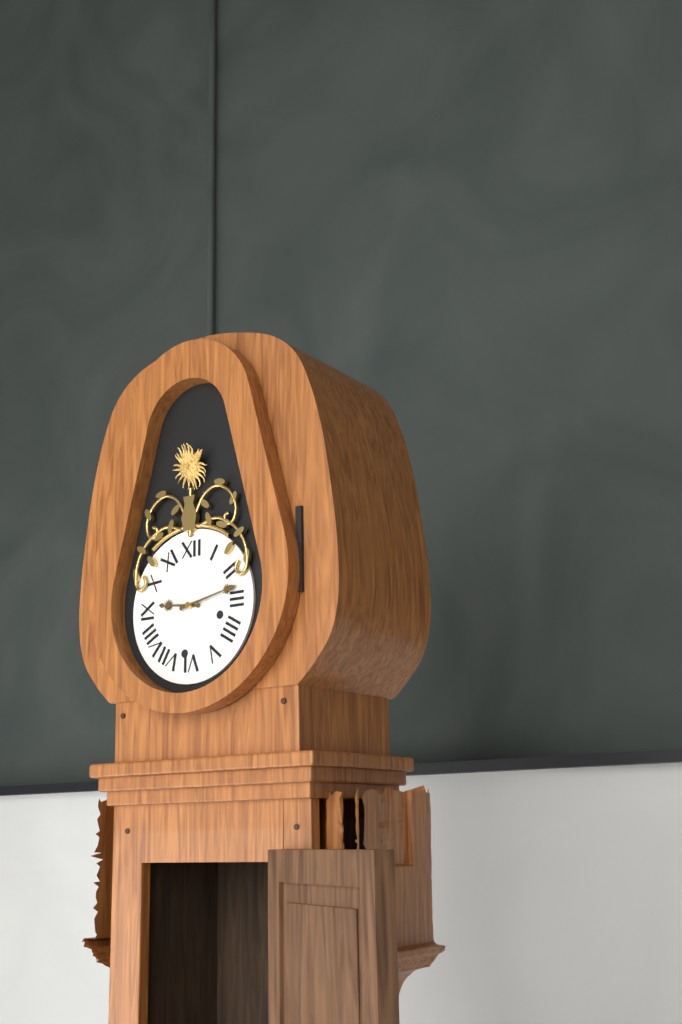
**9:13**
